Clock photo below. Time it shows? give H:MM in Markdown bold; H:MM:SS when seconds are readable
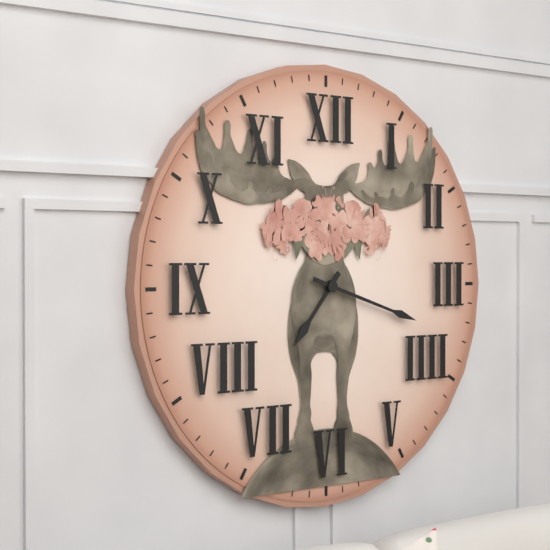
**7:18**
